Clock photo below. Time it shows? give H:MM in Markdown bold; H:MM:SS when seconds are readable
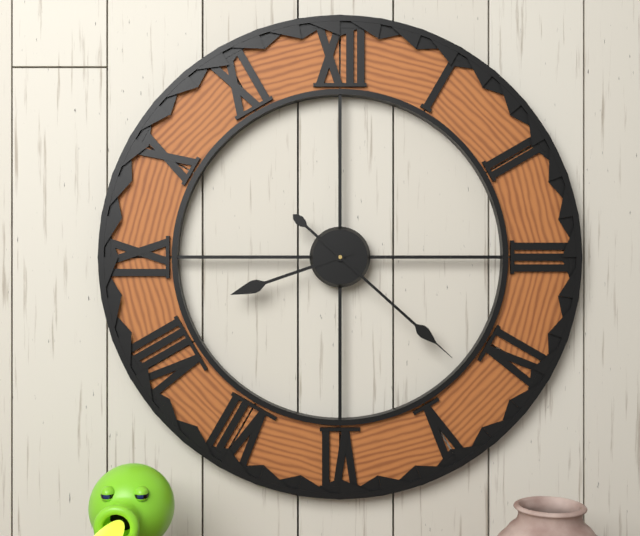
**8:22**
